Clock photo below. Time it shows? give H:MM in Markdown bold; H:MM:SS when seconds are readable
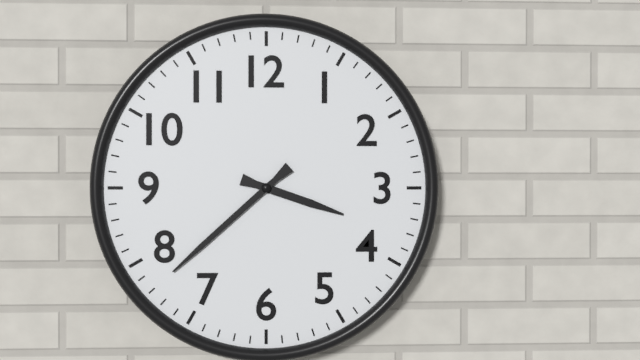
**3:38**
